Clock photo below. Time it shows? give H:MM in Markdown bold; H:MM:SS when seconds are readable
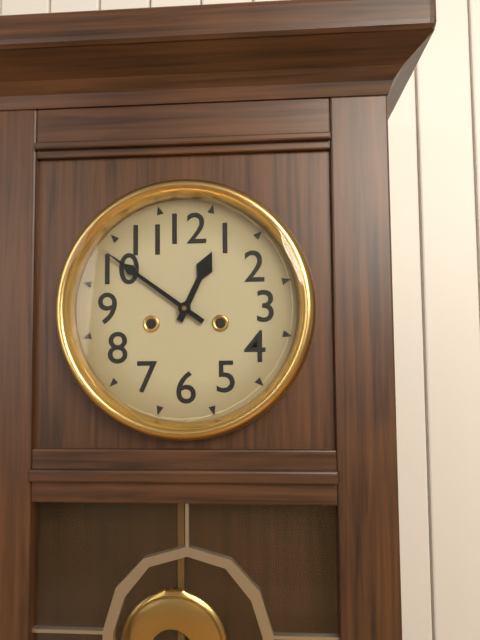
**12:51**
